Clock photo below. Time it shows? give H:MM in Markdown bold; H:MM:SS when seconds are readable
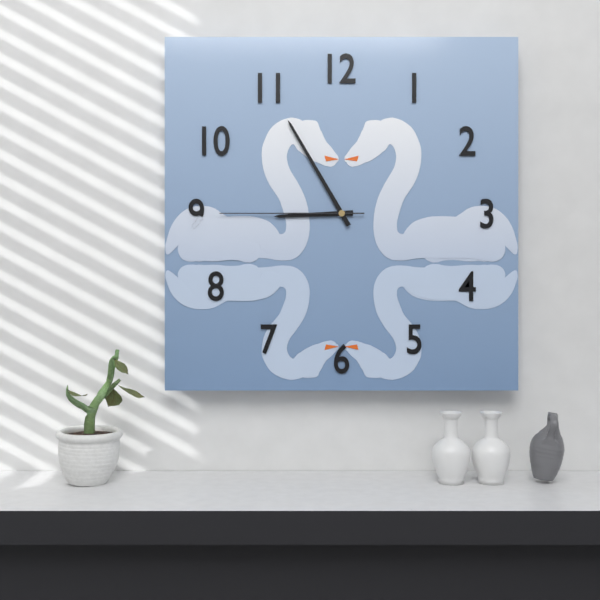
**8:55:45**
